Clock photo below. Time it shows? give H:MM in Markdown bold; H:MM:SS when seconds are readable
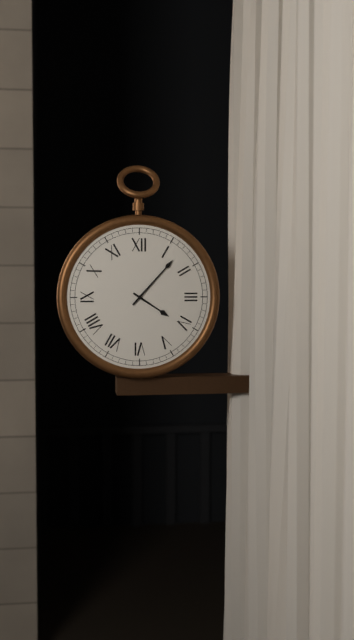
**4:07**
